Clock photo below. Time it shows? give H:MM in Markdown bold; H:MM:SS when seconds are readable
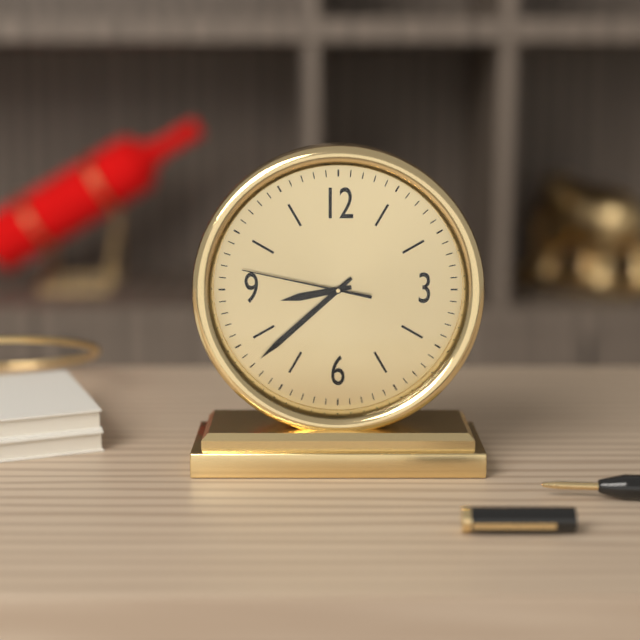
**8:38:47**
